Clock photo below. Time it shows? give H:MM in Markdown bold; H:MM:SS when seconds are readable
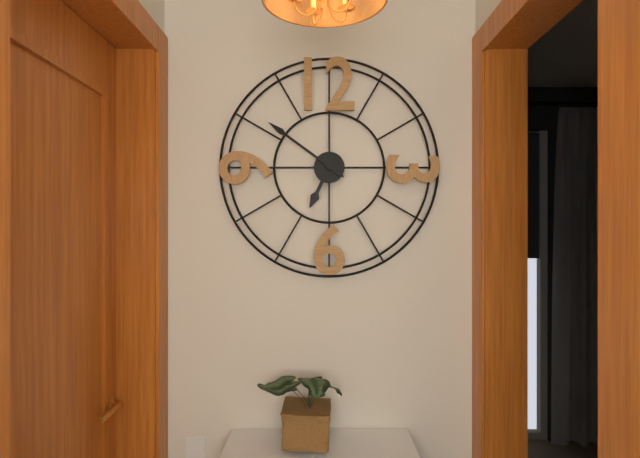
**6:51**
